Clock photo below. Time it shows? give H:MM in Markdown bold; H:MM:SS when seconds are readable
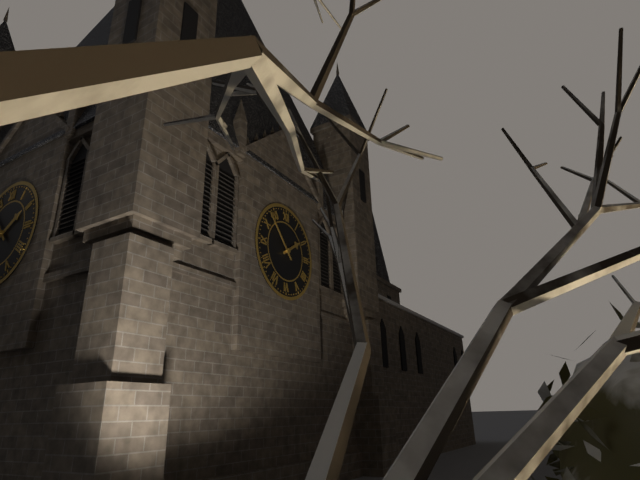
**1:53**
